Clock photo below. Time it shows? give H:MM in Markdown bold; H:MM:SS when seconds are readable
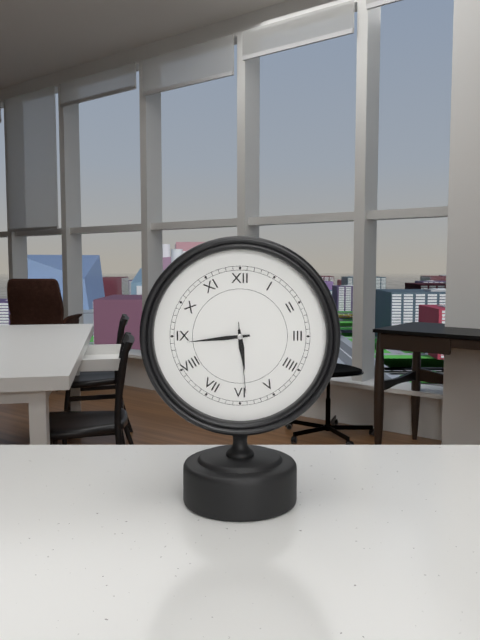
**5:44:29**
